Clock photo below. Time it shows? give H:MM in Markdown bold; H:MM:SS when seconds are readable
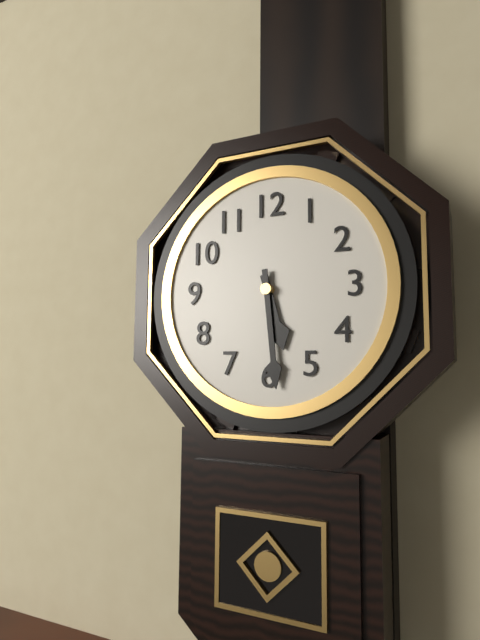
**5:29**
